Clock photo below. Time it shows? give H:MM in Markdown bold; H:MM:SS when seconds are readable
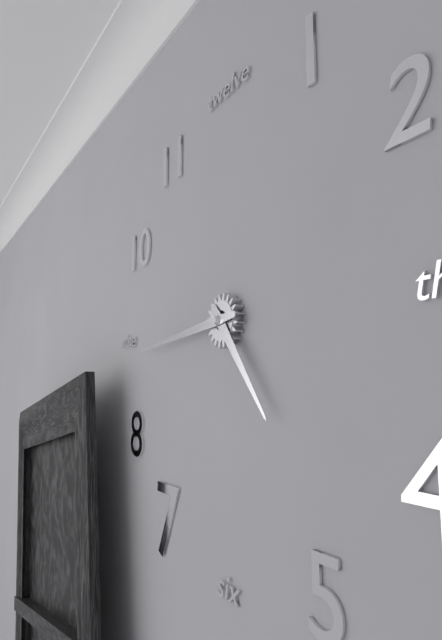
**4:44**
